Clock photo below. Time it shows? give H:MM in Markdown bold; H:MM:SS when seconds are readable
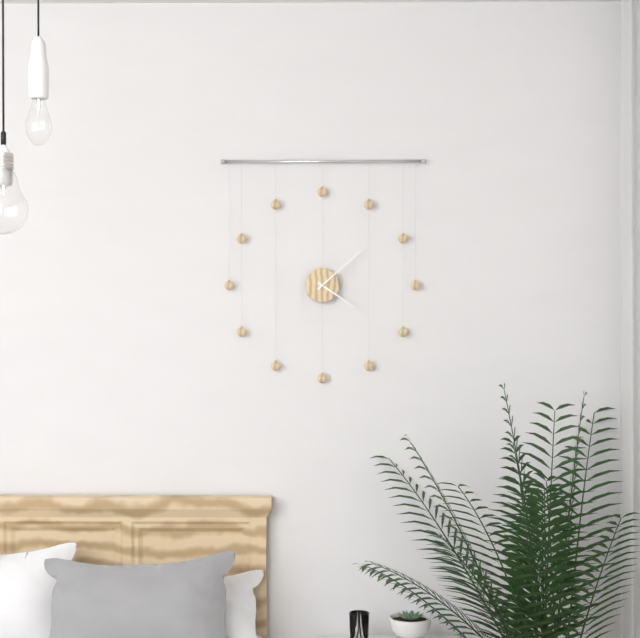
**4:08**
